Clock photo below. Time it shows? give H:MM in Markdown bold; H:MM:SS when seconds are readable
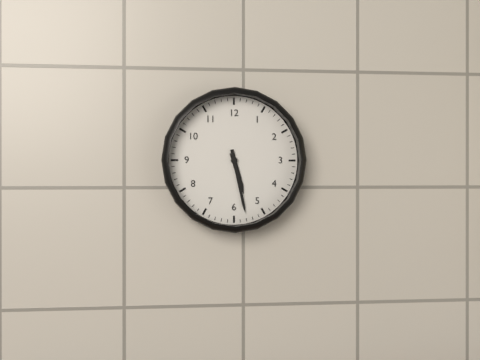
**5:28**
